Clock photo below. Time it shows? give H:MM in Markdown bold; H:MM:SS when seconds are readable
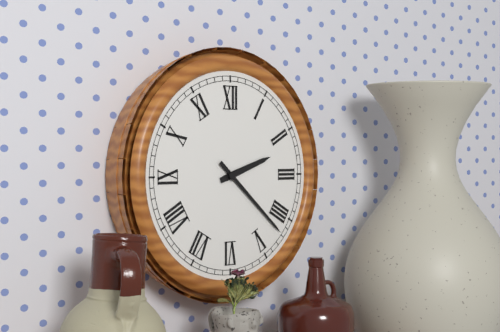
**2:22**
